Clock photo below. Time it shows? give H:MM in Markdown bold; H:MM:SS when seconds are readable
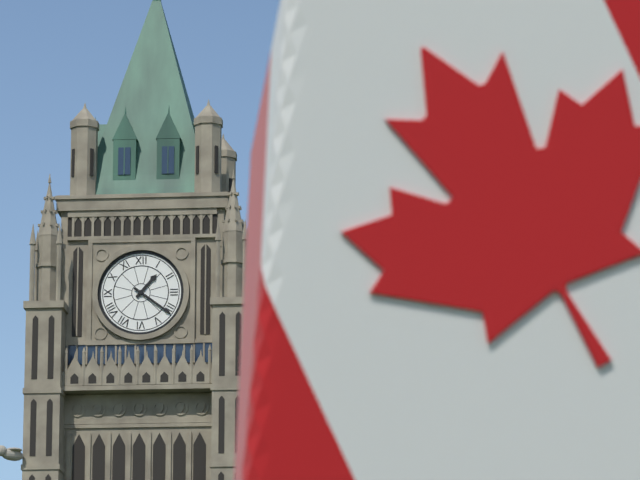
**1:21**
